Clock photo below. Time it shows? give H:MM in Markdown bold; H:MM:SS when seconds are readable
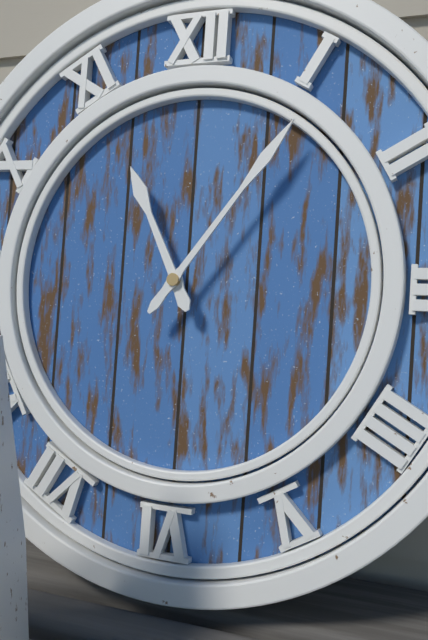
**11:06**
